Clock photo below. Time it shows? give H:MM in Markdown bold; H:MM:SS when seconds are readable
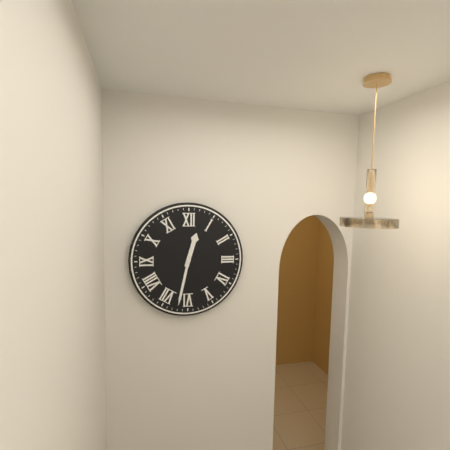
**12:32**
